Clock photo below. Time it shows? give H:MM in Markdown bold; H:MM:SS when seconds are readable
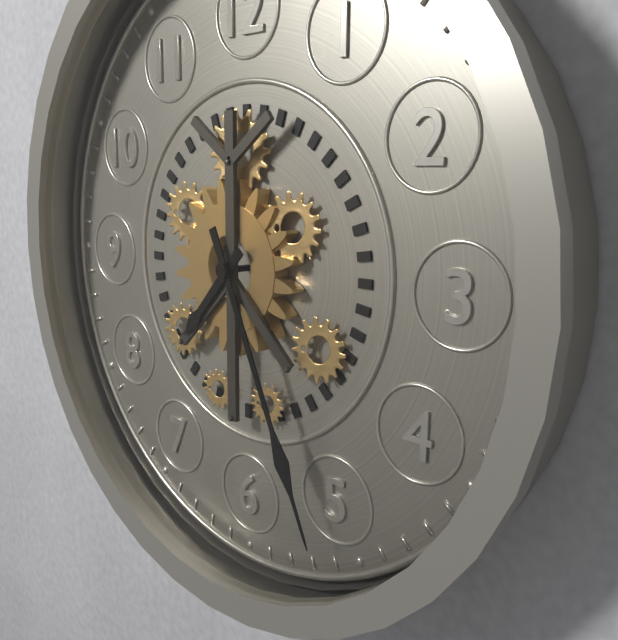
**7:26**
